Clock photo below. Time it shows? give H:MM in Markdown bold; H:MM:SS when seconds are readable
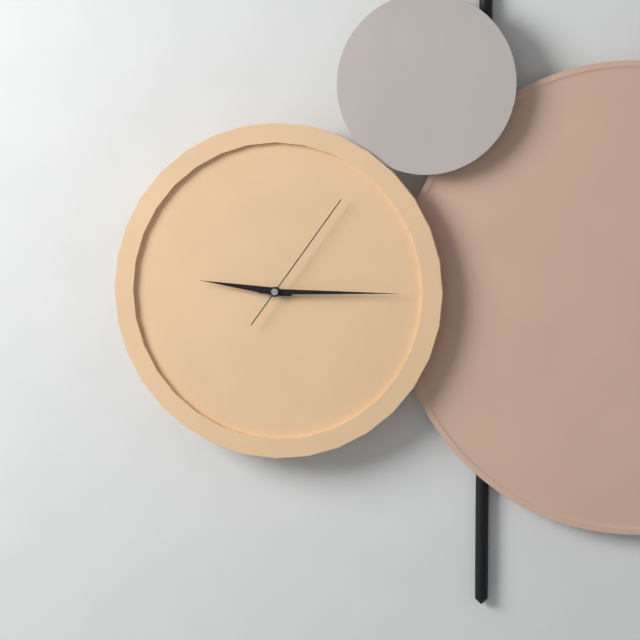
**9:15:06**
